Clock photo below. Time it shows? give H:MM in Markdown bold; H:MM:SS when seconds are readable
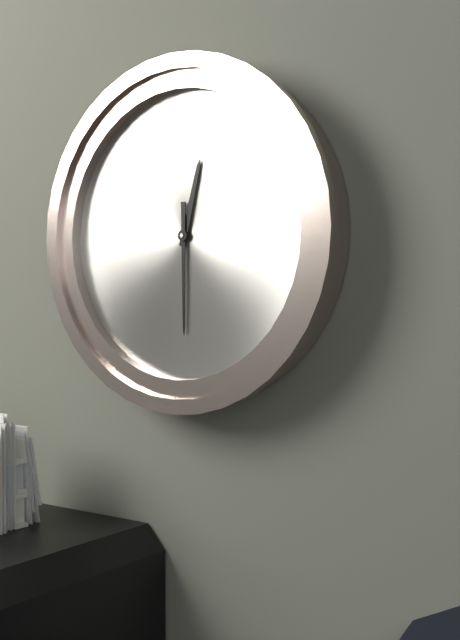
**12:30**
